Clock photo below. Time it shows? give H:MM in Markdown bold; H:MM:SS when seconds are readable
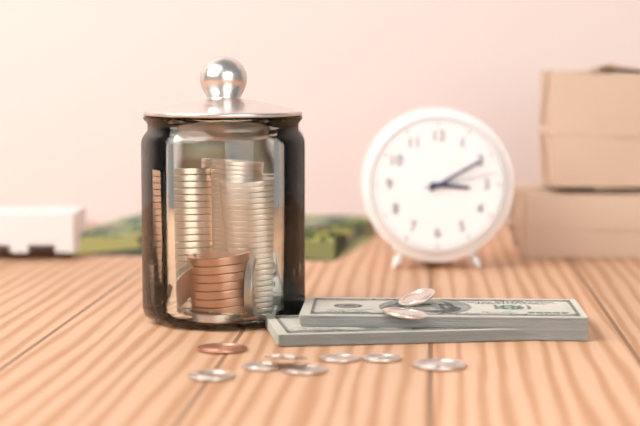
**3:10:13**
